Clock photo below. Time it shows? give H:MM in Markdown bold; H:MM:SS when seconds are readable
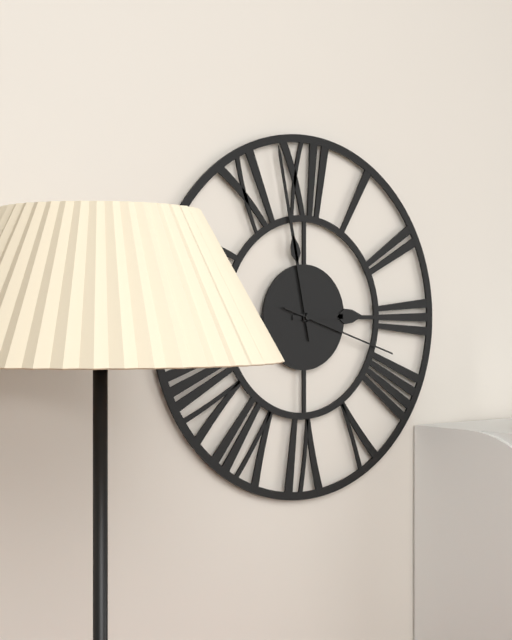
**2:58:18**
